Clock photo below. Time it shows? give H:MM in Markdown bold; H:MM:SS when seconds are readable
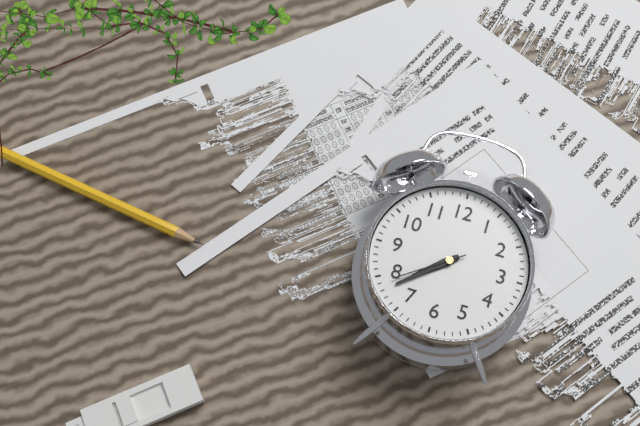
**7:38:39**
